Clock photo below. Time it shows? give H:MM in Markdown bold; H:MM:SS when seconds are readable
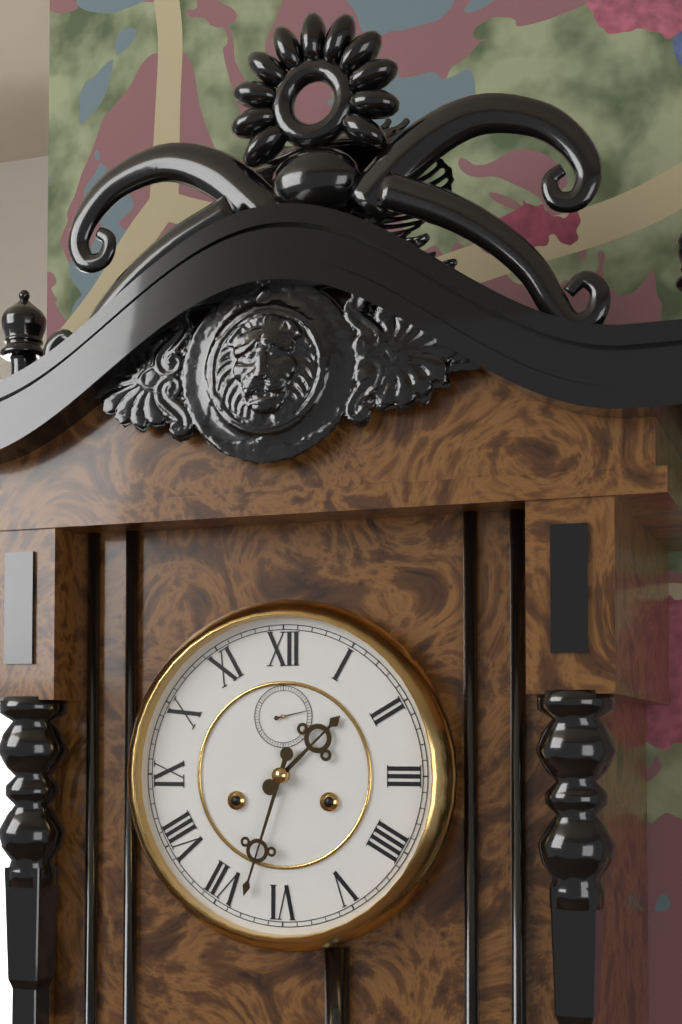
**1:33**
